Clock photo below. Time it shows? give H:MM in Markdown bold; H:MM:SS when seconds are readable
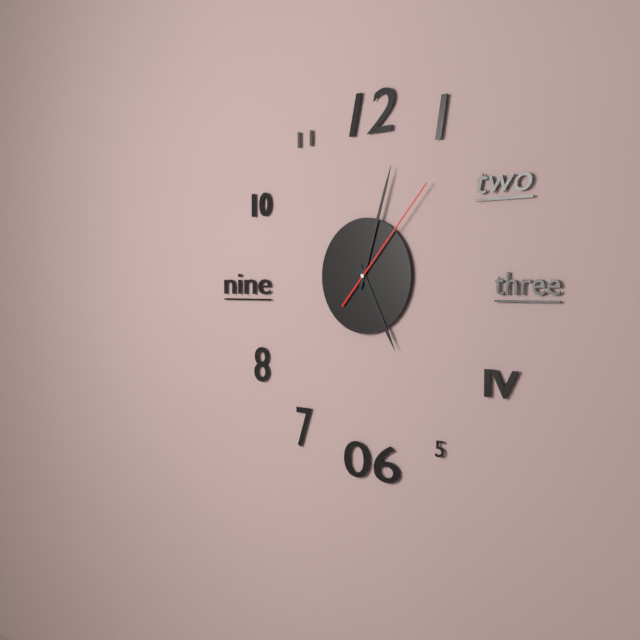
**5:03:07**
